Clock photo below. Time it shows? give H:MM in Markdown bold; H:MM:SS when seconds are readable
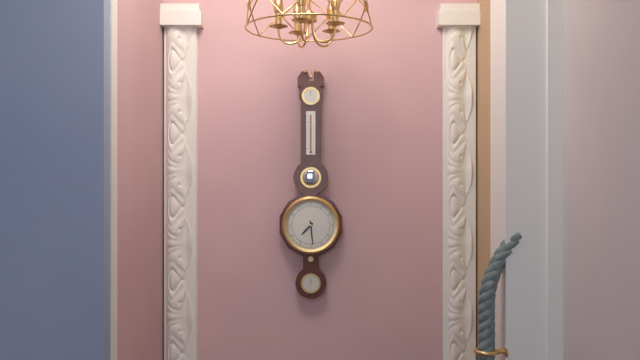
**7:29**
